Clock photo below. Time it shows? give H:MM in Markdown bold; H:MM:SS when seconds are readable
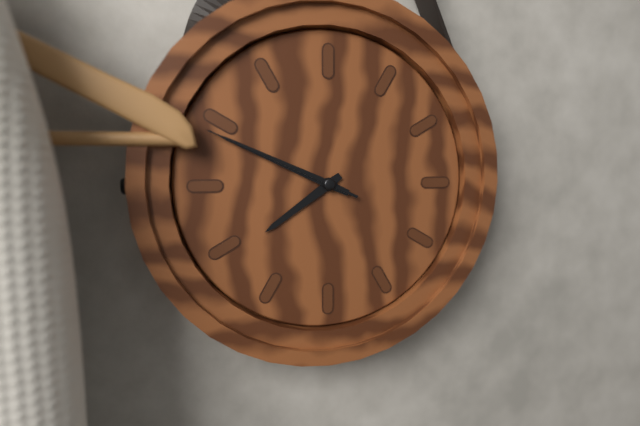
**7:49:49**
